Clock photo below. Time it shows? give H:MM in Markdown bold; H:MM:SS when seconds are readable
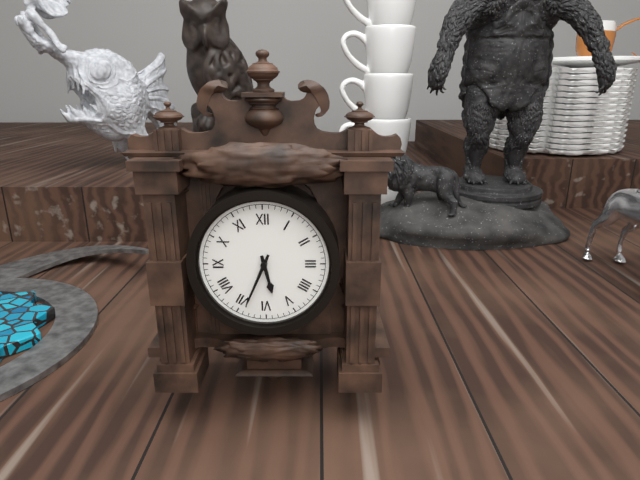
**5:34**
